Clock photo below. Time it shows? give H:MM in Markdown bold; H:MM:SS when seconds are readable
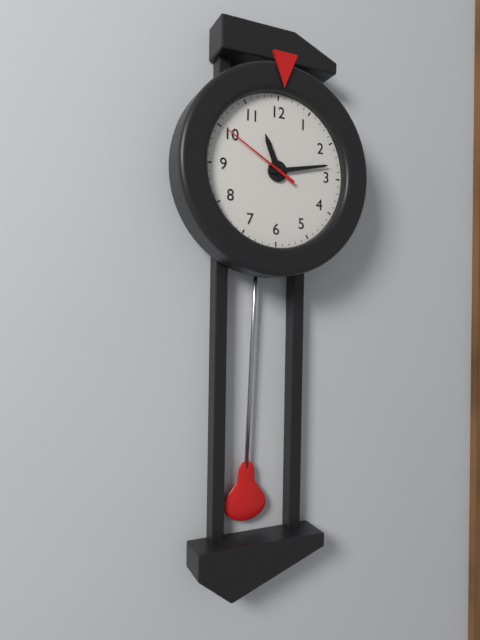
**11:13:50**
